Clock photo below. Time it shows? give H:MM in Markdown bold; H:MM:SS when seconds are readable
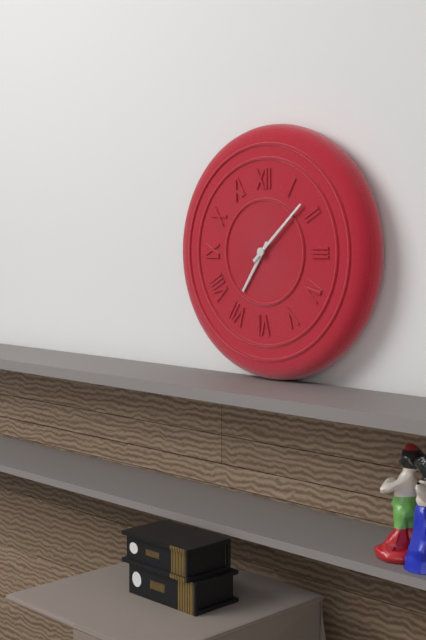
**7:08**
